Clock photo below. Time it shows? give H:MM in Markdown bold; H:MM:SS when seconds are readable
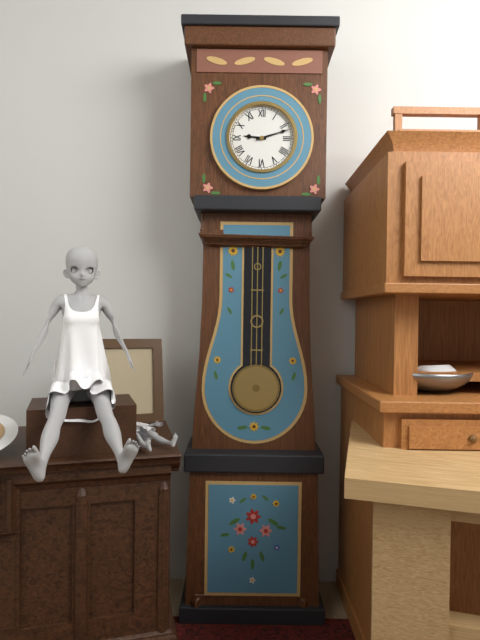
**9:12**
